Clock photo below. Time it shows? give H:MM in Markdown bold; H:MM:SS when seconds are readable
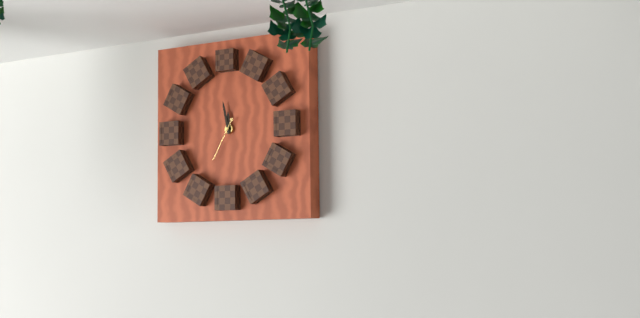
**11:58**
